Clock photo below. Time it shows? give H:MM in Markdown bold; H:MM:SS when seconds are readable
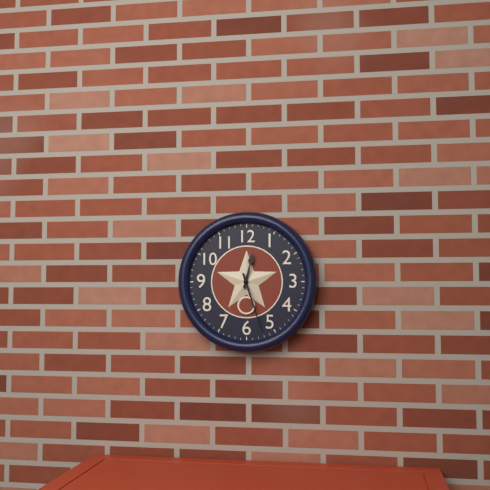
**12:27**
